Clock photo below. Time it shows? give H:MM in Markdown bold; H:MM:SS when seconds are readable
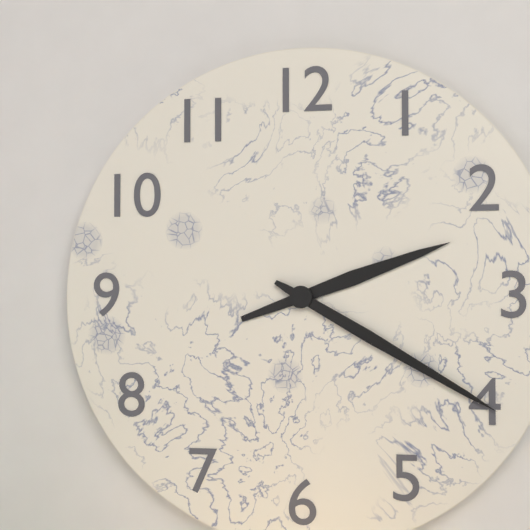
**2:20**
